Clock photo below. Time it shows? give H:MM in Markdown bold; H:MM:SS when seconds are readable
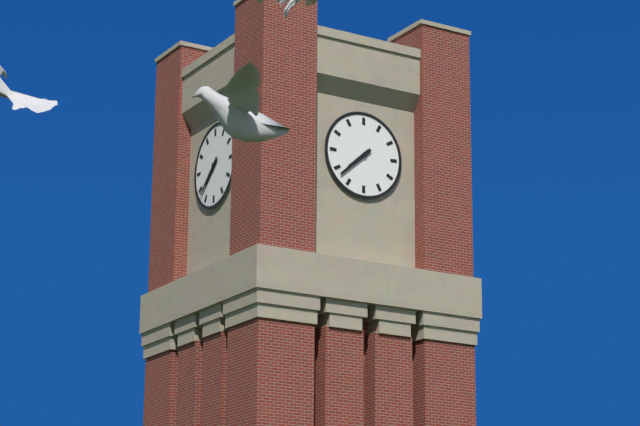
**7:38**
